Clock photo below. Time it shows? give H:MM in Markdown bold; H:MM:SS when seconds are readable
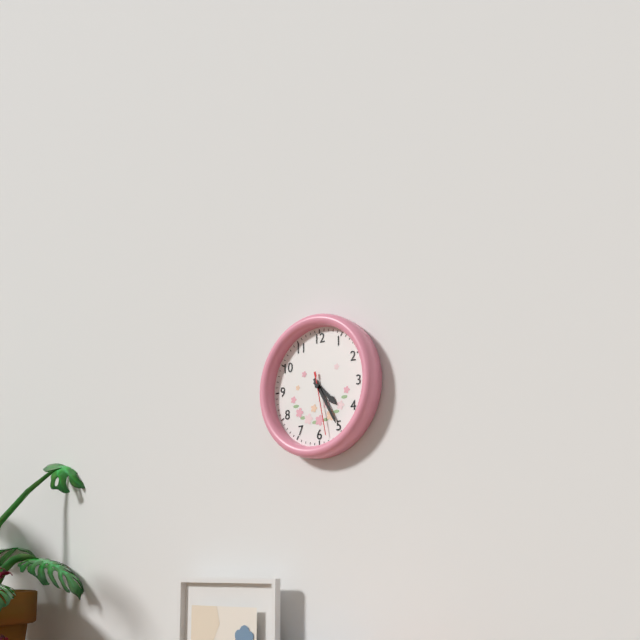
**4:25:28**
